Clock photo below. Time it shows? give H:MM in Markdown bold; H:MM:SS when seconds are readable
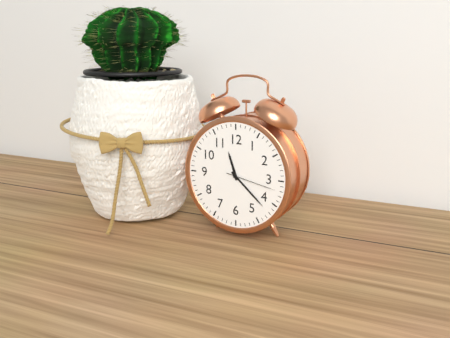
**11:22:17**
